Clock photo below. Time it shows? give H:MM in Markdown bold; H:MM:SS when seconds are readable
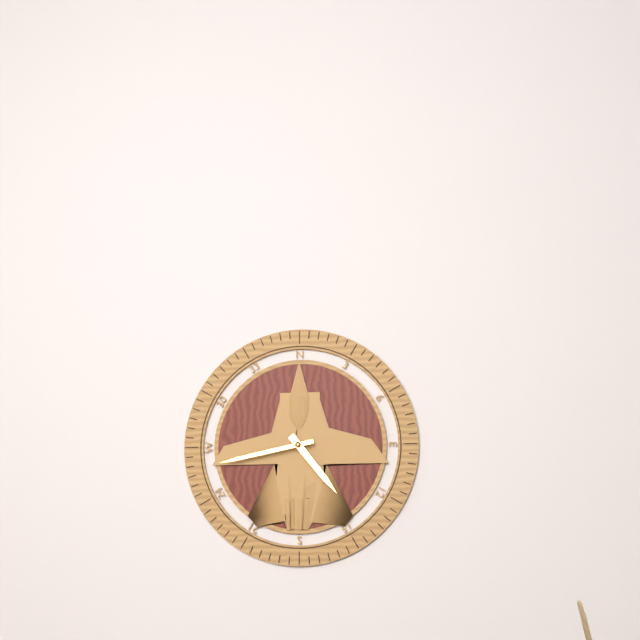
**4:43**
